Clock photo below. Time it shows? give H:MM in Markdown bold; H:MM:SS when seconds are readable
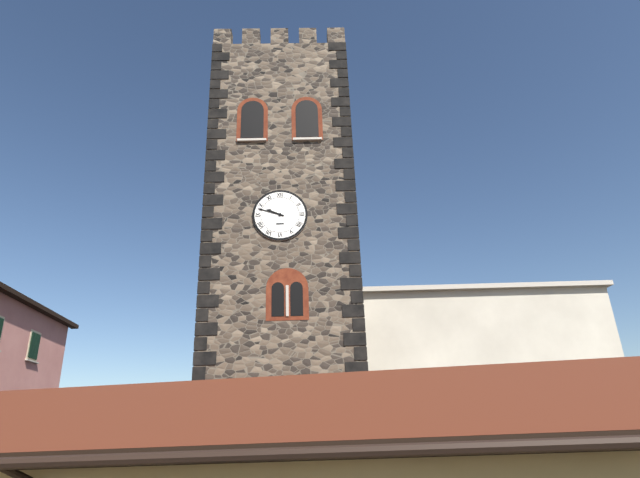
**9:48**
